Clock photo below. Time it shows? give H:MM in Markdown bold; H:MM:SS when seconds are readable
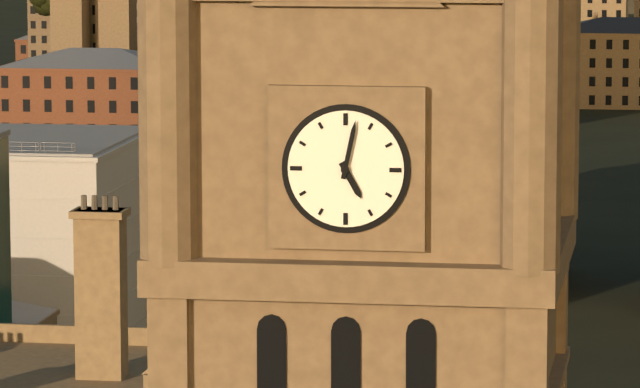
**5:02**
